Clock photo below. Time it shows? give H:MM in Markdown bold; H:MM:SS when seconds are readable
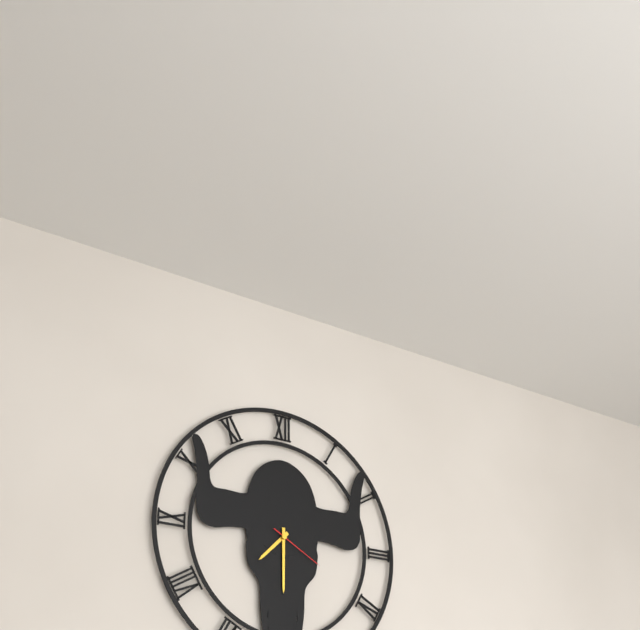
**7:30:20**
